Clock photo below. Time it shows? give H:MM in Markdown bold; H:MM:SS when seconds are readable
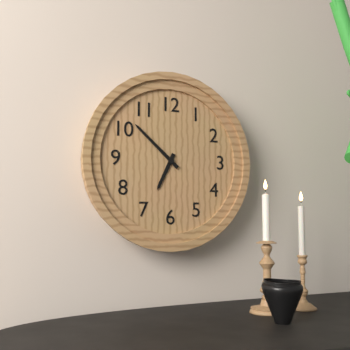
**6:52**
